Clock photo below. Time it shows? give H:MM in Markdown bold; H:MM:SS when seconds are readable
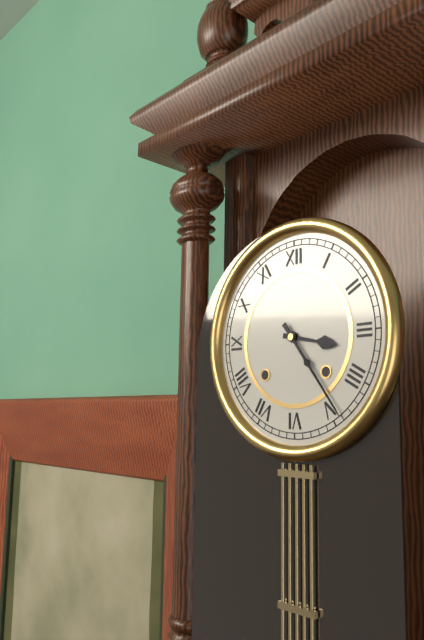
**3:24**
